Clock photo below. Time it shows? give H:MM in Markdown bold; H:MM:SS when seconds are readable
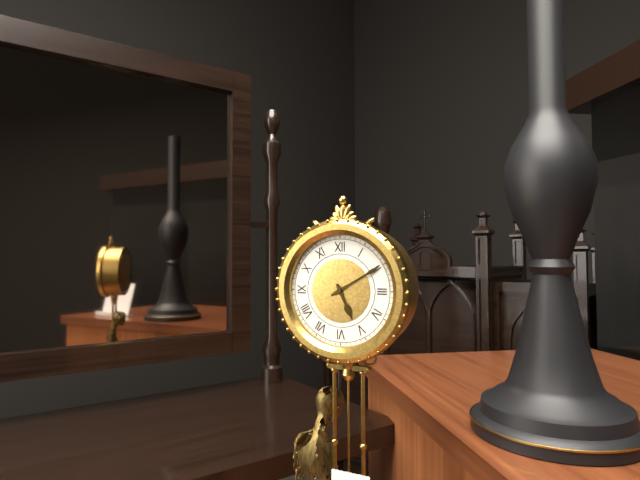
**5:10**
